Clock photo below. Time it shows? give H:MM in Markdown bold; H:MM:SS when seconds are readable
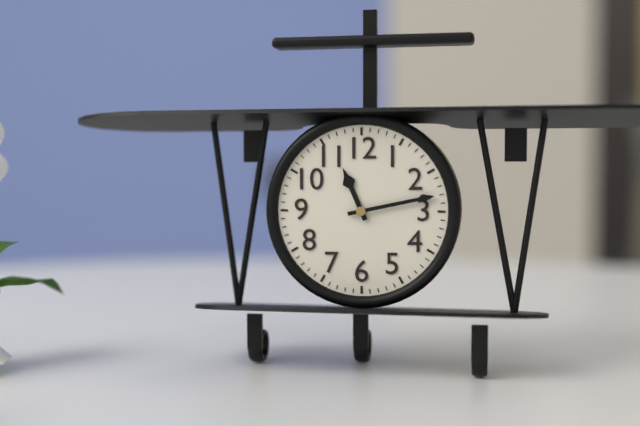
**11:13**
